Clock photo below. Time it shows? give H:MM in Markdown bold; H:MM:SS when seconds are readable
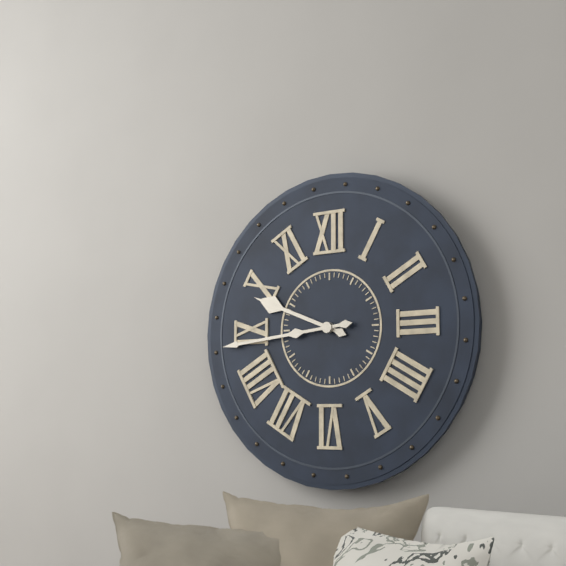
**9:44**
